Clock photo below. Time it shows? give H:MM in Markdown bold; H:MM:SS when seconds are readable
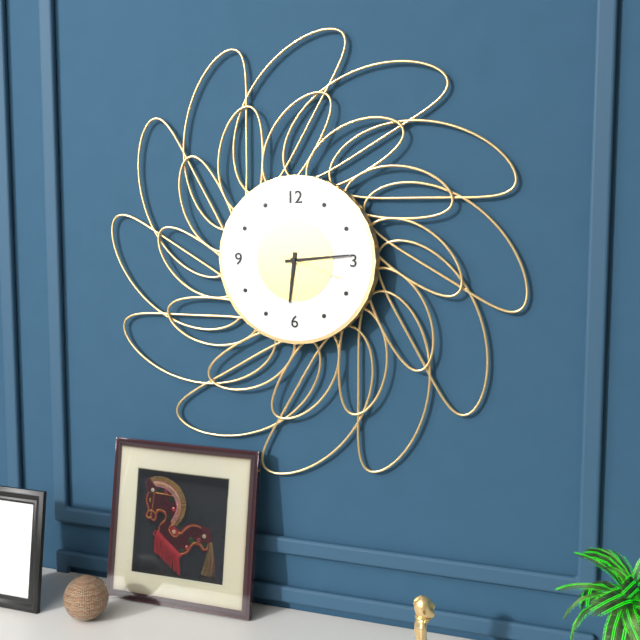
**6:14:18**
